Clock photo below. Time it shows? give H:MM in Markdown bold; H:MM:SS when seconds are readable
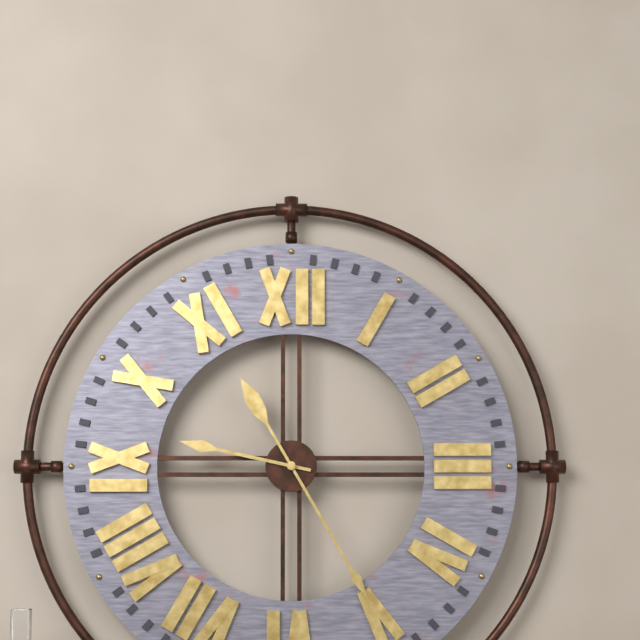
**9:25**
